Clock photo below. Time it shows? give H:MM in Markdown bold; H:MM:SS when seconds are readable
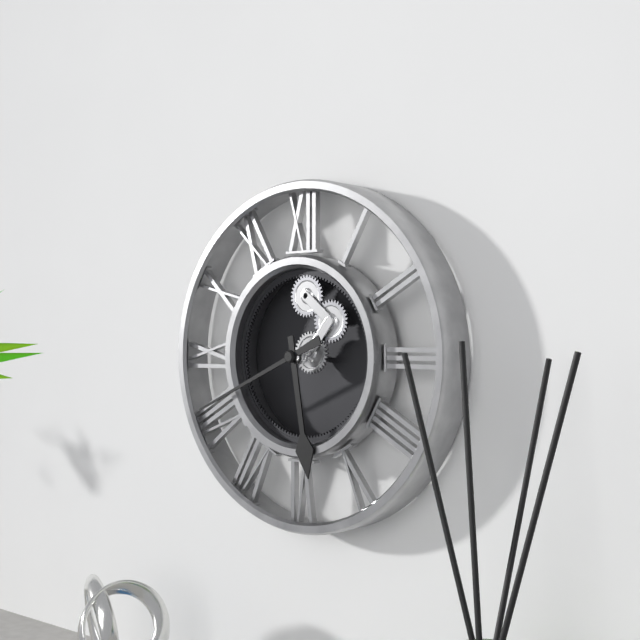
**5:41**
